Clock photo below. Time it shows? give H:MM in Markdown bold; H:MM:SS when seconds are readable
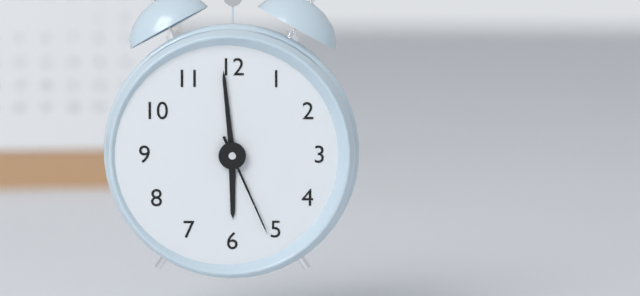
**5:59:26**
